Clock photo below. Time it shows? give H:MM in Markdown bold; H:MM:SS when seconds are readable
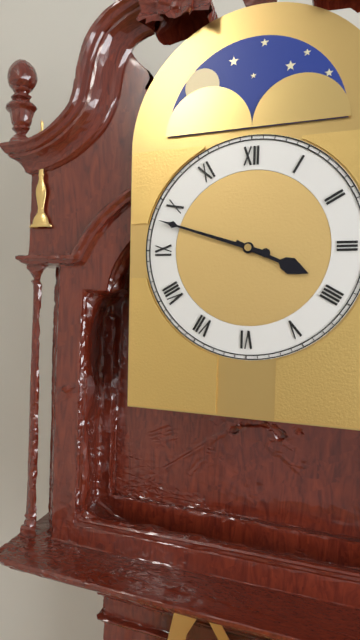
**3:48**
